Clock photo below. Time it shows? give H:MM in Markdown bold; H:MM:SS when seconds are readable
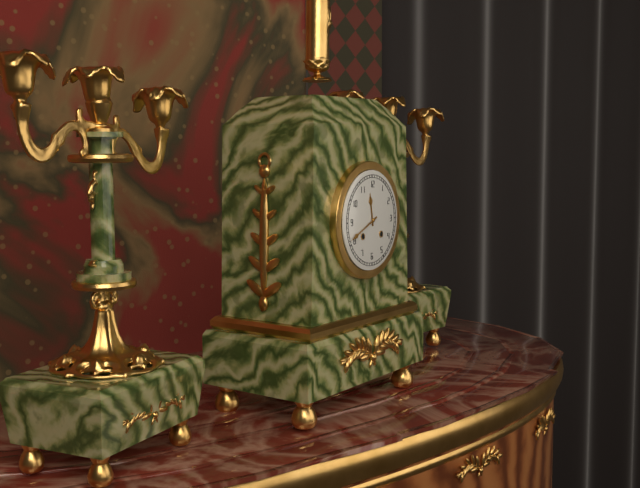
**11:41**
